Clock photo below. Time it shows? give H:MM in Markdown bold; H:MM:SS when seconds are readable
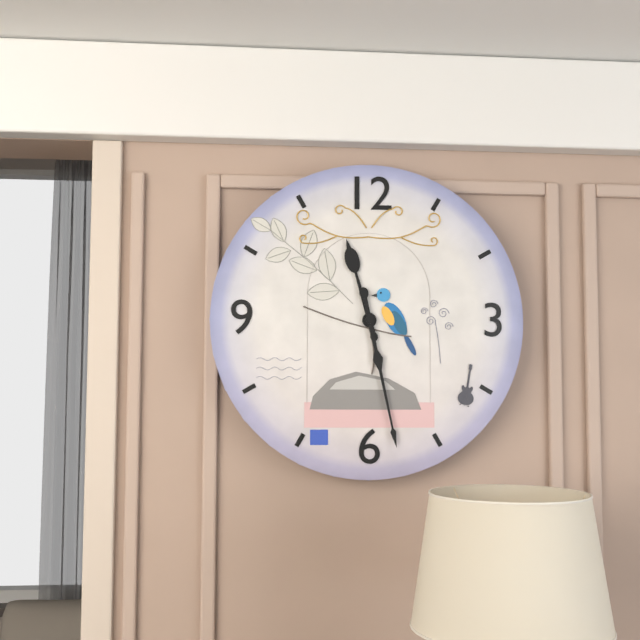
**11:28**
